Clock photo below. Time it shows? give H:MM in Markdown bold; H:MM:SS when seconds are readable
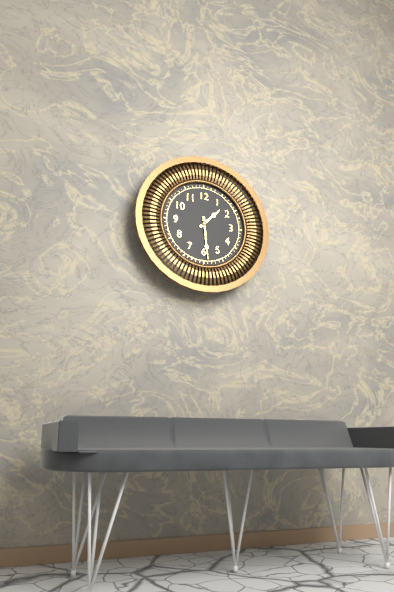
**1:29**
